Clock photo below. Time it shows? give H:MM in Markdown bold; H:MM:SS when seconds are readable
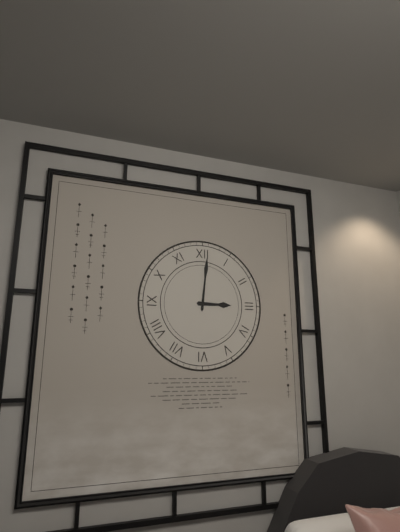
**3:01**
